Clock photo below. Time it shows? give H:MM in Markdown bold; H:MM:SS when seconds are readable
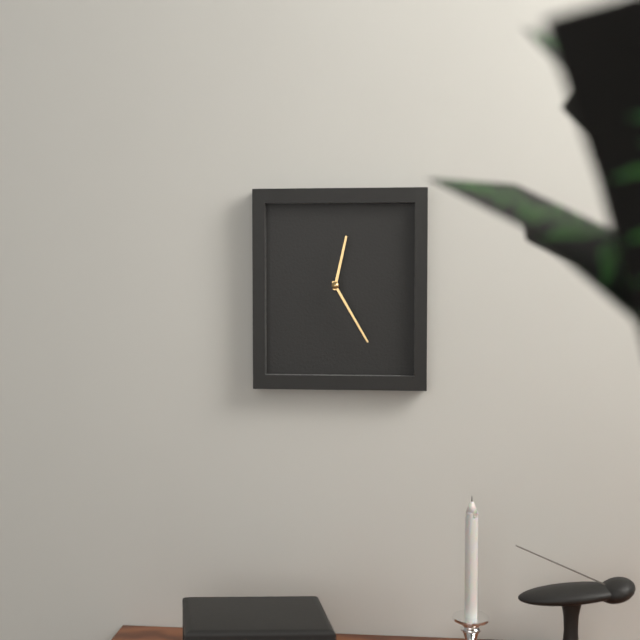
**12:25**
